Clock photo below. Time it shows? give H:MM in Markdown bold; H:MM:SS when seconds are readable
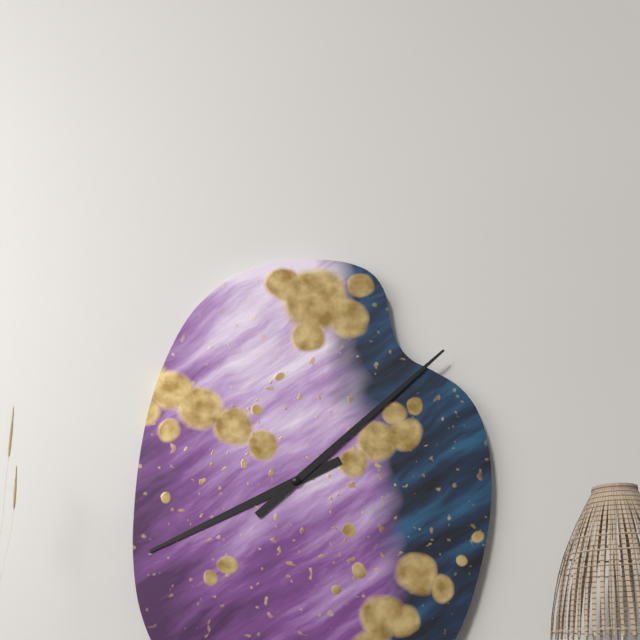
**8:08**
